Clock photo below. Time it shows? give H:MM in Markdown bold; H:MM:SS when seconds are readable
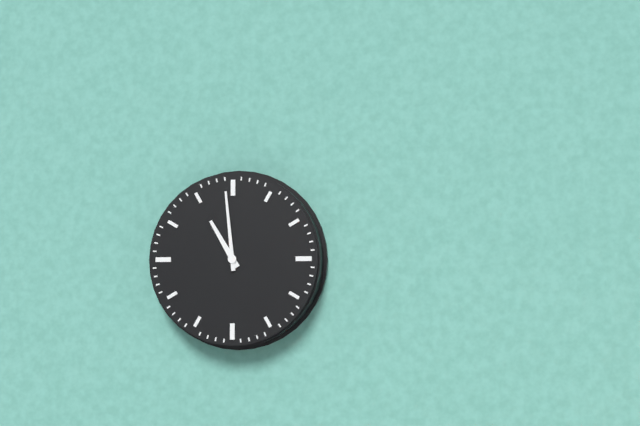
**10:59**
